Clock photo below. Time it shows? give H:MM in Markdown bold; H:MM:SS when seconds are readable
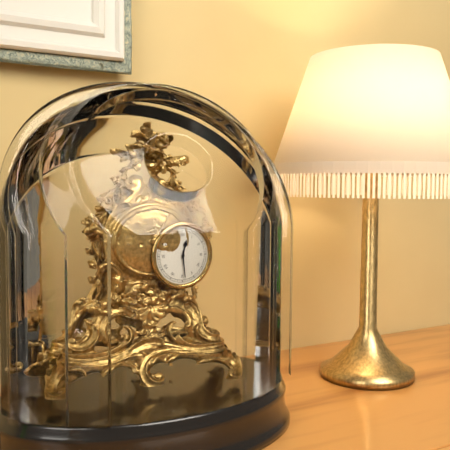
**12:29**
